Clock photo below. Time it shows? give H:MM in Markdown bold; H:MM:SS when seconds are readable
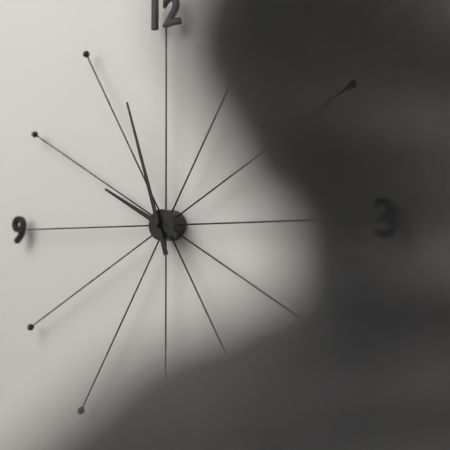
**9:57**
